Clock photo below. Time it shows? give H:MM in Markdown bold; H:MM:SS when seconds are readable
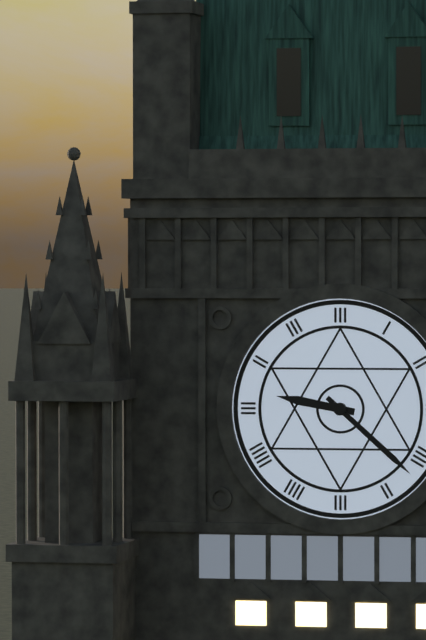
**9:22**
